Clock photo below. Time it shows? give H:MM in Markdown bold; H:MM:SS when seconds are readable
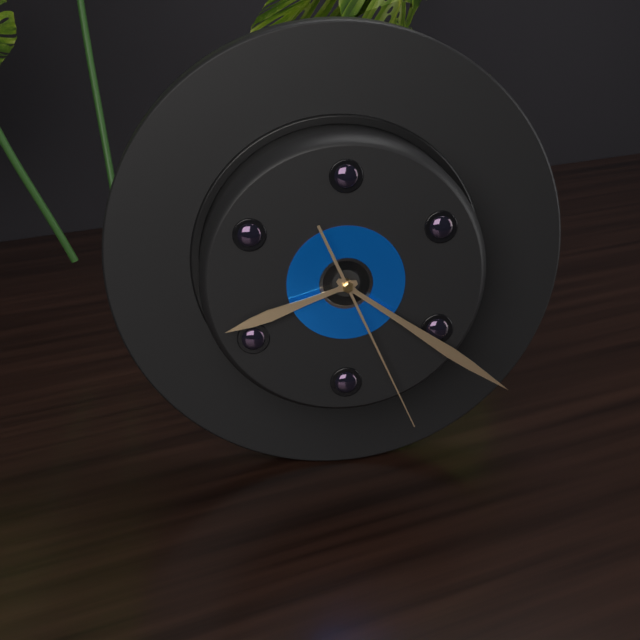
**8:21:26**
